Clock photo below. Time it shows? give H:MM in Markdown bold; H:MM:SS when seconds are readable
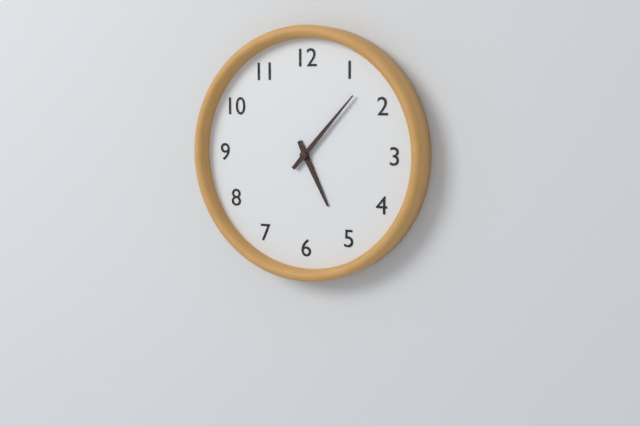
**5:07**
